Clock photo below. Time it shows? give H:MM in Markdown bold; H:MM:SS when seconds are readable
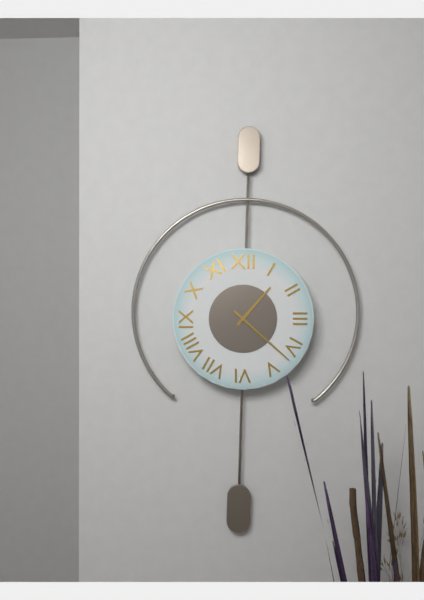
**1:22**
